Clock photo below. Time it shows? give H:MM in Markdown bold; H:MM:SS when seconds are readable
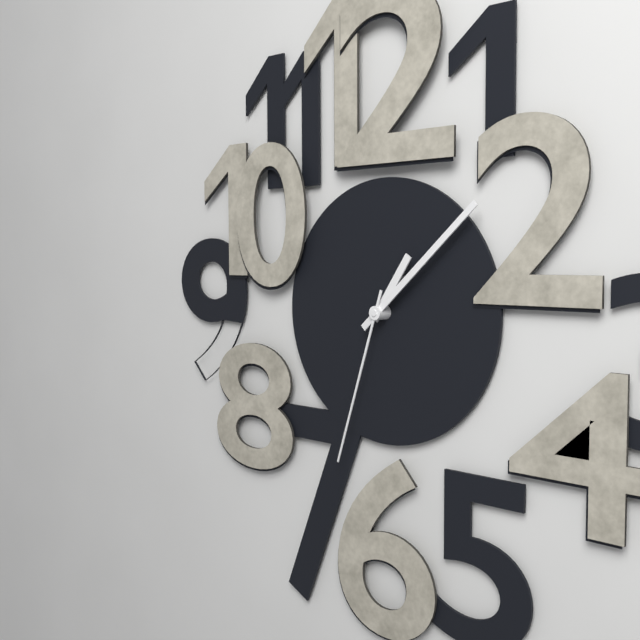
**1:08:33**
